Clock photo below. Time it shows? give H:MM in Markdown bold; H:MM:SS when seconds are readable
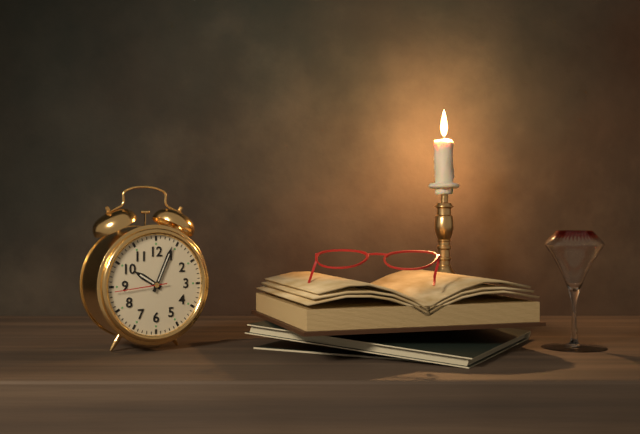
**10:04:44**
